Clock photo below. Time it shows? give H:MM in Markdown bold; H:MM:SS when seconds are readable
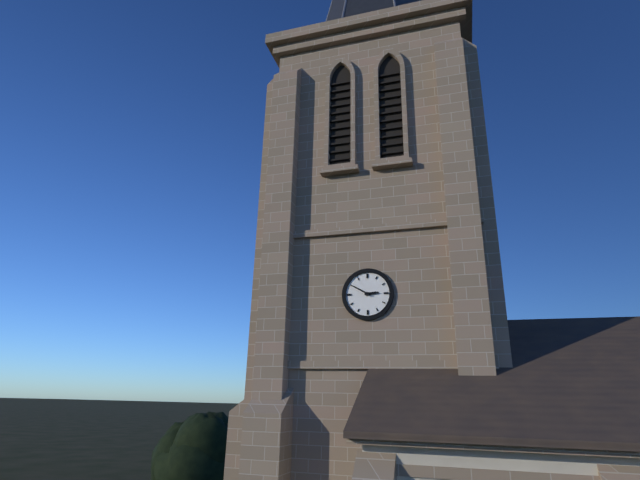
**2:50**
